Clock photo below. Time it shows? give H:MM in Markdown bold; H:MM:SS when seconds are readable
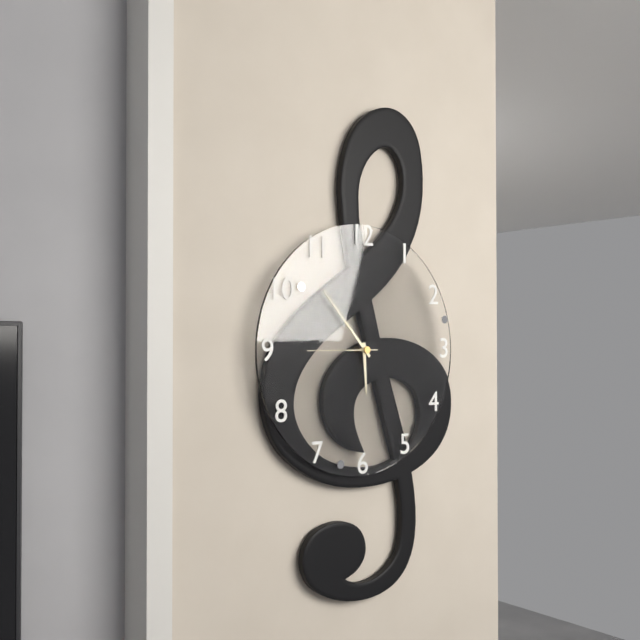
**5:53:45**
